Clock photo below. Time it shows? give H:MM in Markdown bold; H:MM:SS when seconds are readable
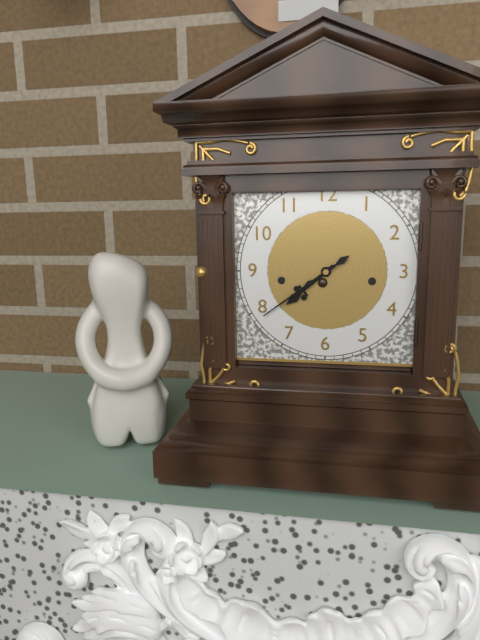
**7:39**
